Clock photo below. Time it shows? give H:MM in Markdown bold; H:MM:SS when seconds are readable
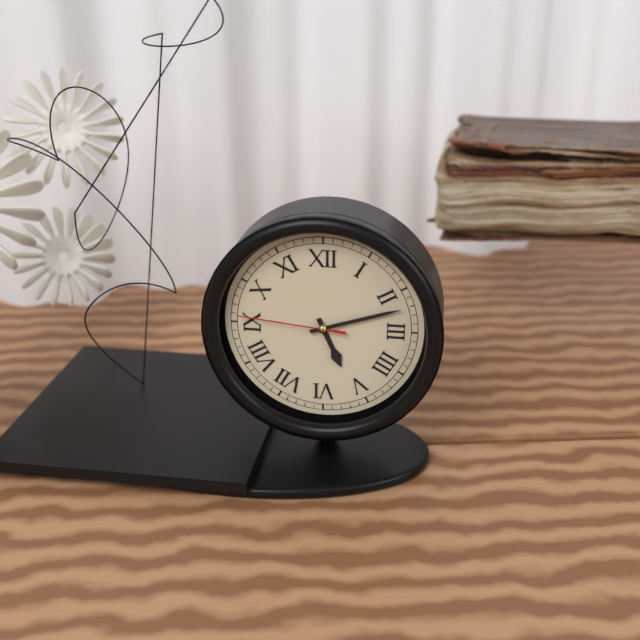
**5:12:46**
